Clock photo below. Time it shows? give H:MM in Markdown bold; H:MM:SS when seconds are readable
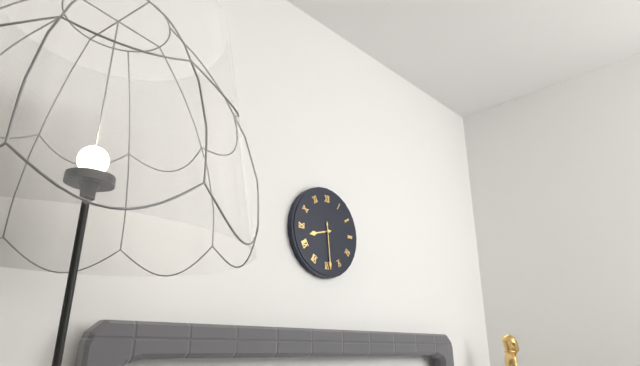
**8:29**
